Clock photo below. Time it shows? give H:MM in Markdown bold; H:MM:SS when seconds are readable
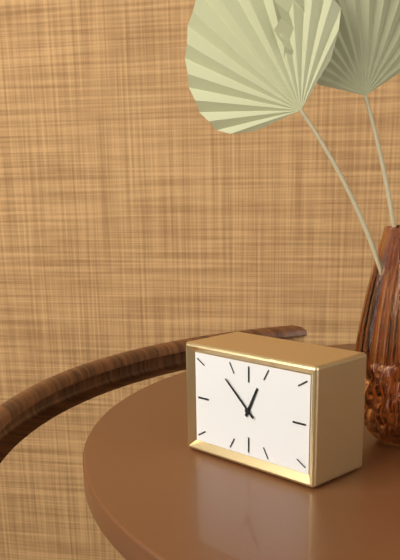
**12:52**
